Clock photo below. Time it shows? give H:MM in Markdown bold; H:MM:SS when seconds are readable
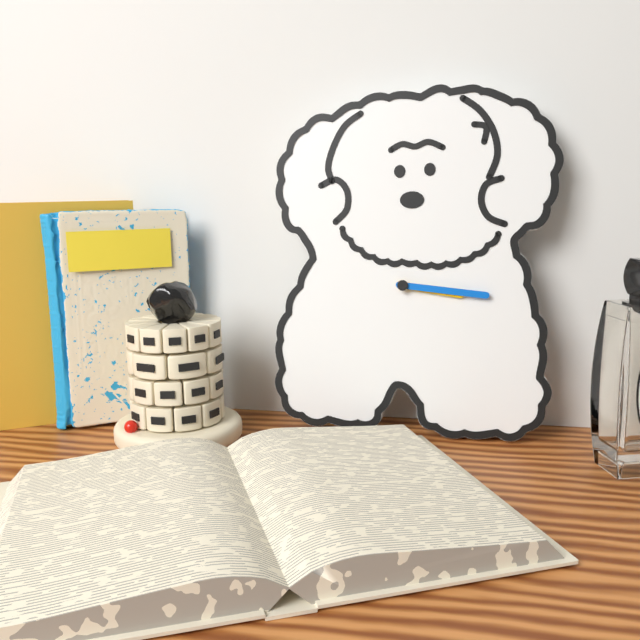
**3:16**
